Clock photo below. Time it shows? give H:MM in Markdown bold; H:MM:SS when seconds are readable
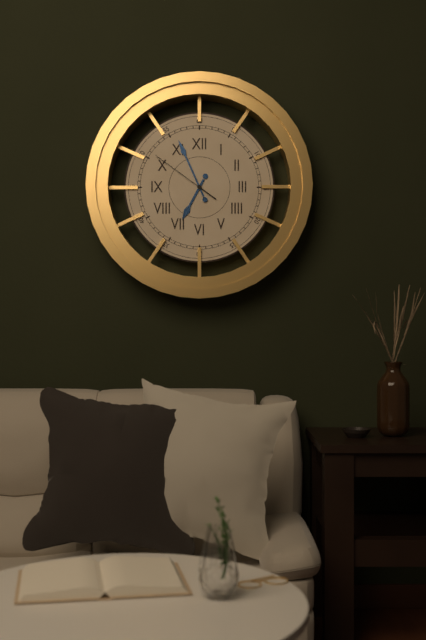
**6:56:51**
